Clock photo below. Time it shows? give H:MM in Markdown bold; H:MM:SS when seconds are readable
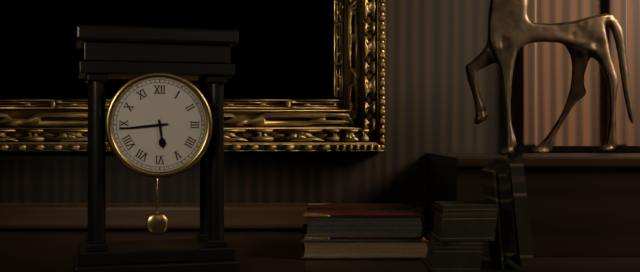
**5:44**
